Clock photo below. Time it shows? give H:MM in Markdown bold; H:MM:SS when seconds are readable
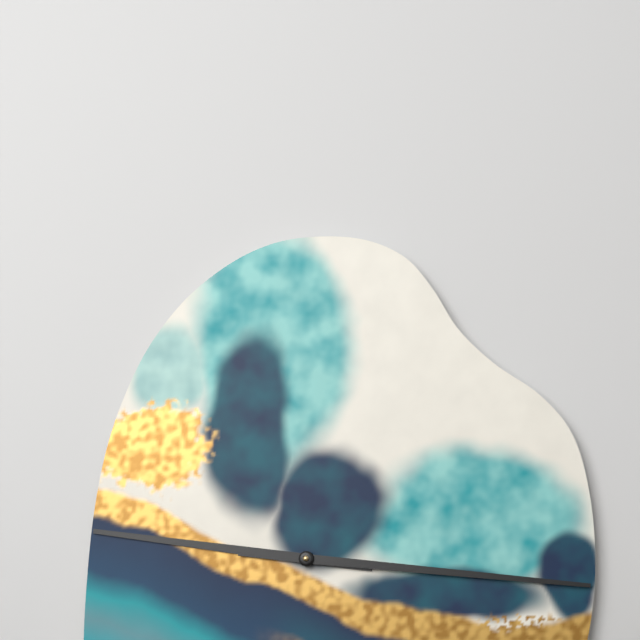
**9:16**
